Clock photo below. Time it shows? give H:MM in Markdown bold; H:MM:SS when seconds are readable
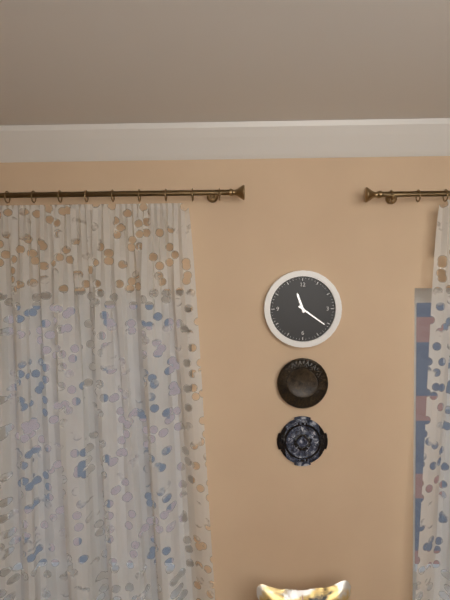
**11:21**
